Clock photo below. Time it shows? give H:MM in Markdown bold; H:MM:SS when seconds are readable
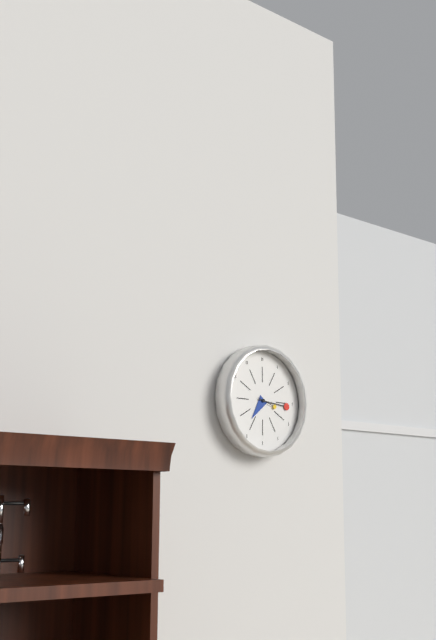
**7:16**
